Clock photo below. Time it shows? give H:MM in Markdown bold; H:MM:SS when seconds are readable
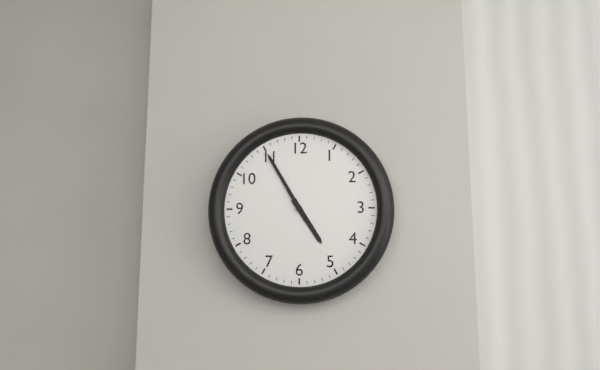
**4:55**
